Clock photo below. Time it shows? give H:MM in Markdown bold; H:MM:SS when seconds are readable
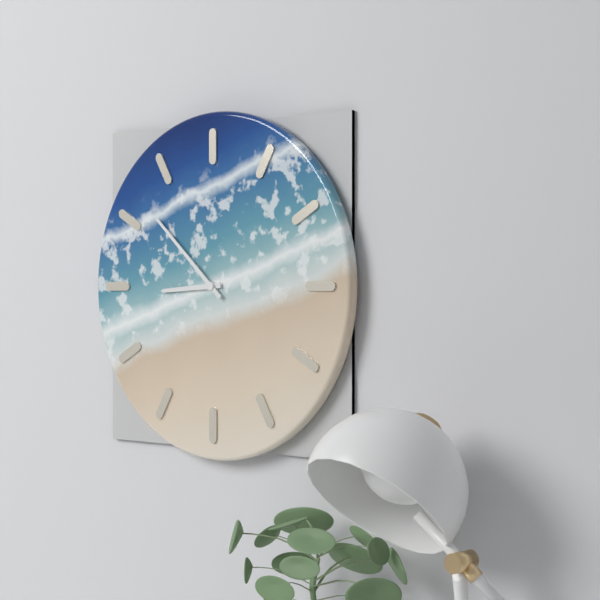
**8:52**
